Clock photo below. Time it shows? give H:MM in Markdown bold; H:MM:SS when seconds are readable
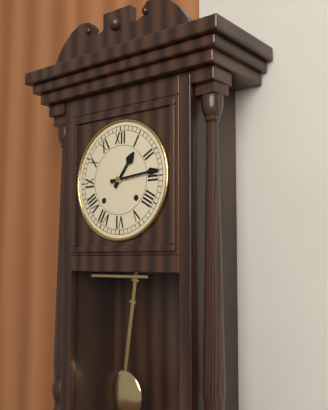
**1:14**
